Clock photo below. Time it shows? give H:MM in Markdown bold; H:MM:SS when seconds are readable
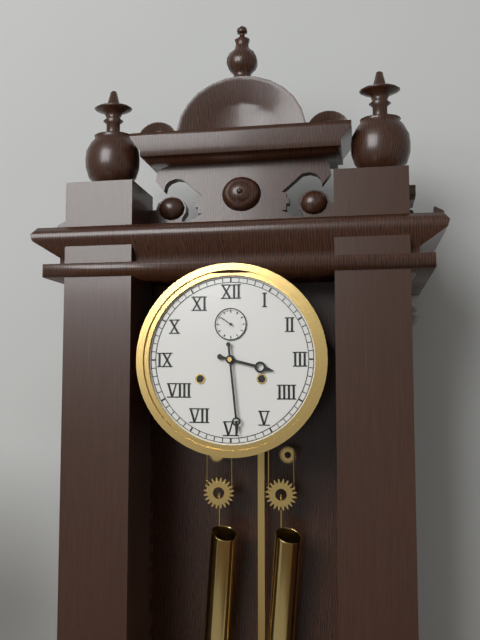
**3:29**
